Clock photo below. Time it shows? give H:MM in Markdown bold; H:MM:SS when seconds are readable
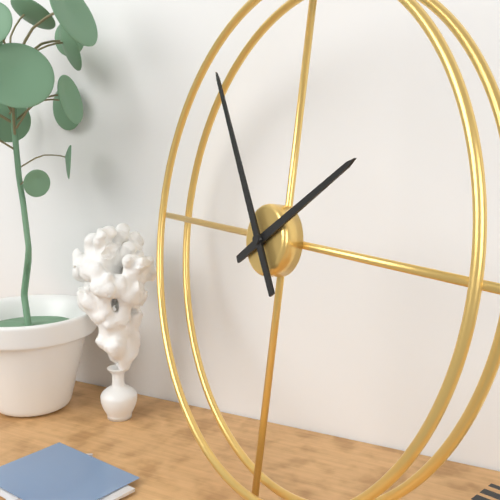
**1:54**
